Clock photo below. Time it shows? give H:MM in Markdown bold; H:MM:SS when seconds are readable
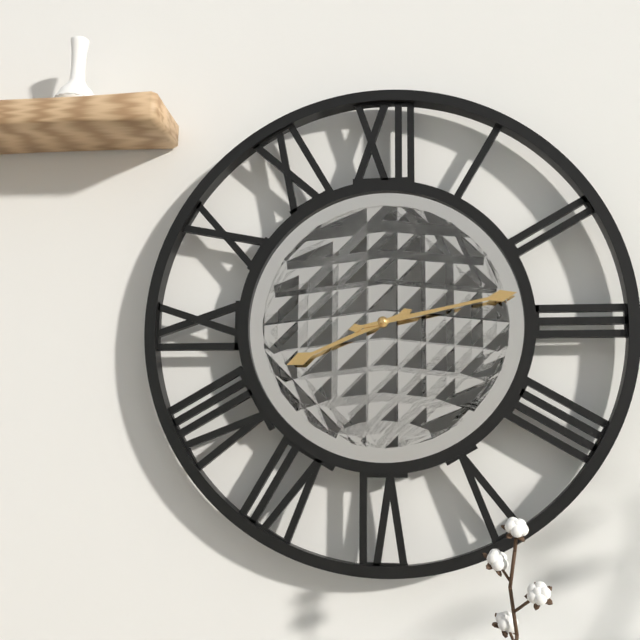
**8:13**
